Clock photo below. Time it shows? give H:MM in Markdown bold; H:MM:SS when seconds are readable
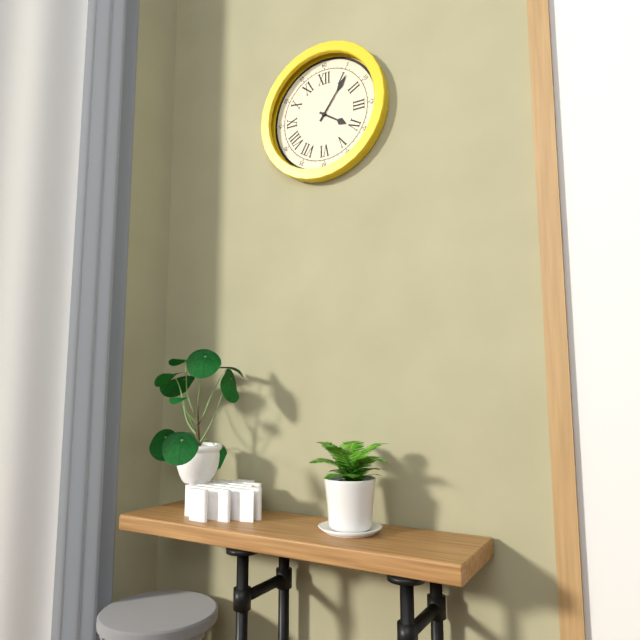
**4:06**
